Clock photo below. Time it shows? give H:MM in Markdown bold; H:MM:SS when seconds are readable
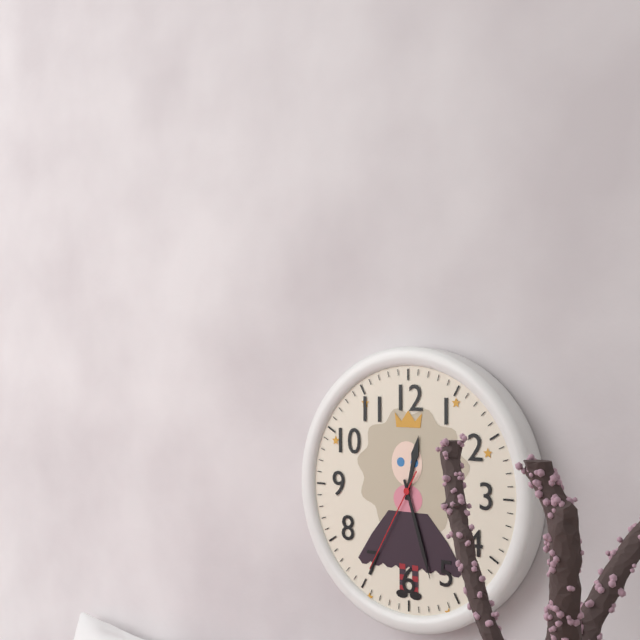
**12:27:35**
